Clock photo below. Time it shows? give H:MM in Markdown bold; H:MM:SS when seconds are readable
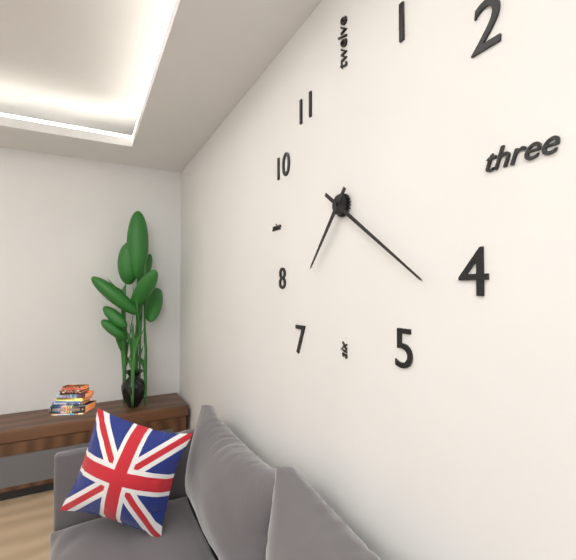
**7:21**
